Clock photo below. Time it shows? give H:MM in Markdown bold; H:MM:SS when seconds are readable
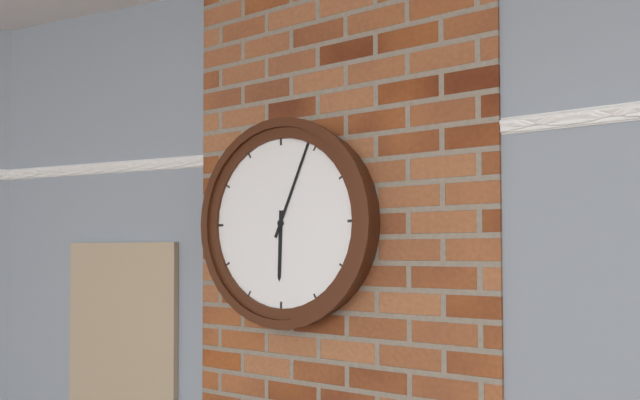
**6:04**
